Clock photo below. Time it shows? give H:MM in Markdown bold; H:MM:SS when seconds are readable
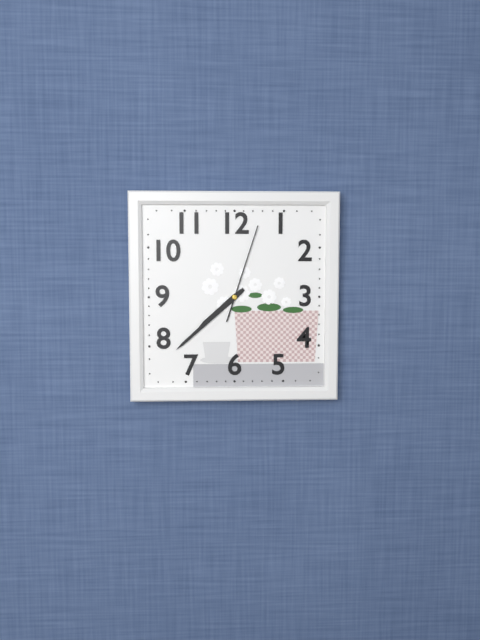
**7:38:03**
